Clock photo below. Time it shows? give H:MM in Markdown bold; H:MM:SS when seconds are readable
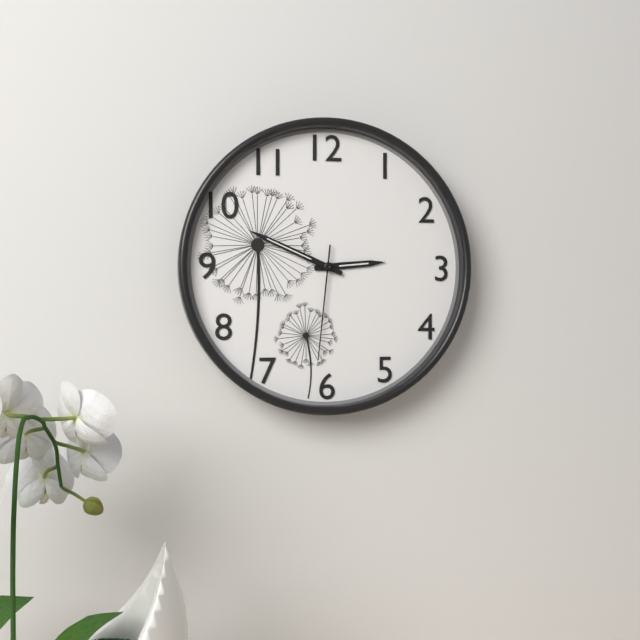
**2:49:31**
